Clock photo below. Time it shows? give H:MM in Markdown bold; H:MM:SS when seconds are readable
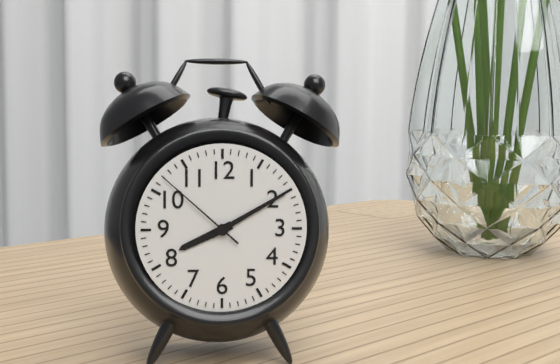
**8:10:52**
